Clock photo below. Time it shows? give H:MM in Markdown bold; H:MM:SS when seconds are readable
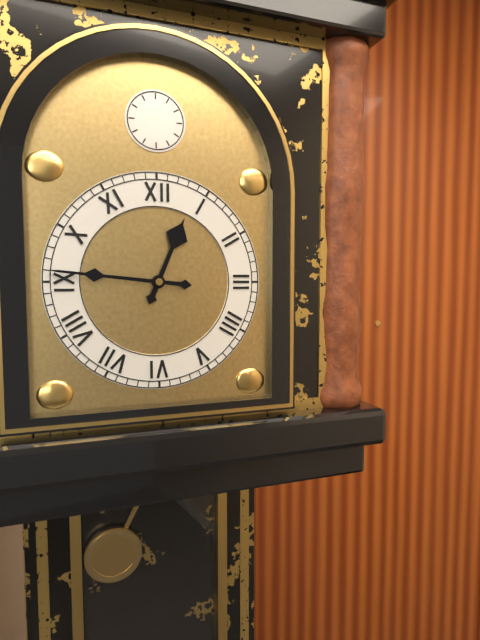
**12:46**
